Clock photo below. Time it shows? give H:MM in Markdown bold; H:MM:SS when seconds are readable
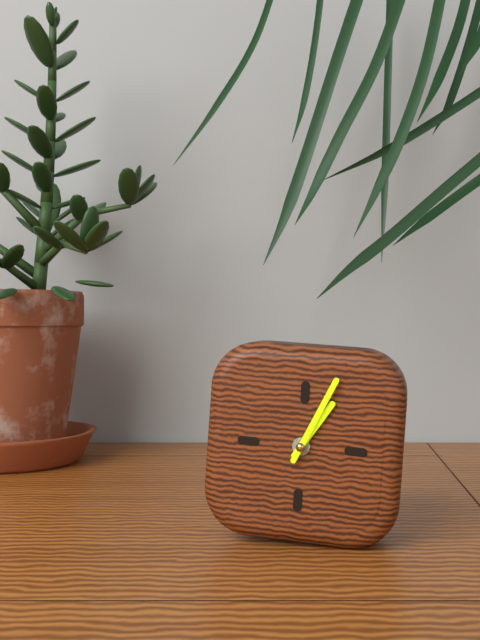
**1:04**
